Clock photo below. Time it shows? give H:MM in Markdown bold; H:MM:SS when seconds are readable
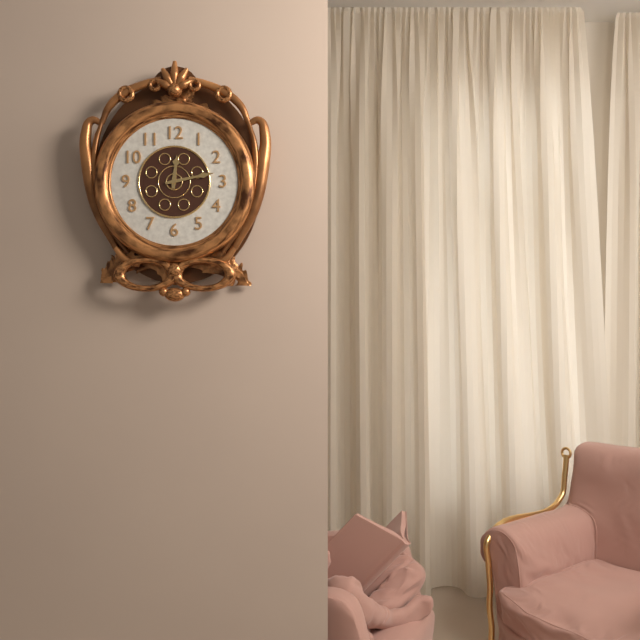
**12:13**
